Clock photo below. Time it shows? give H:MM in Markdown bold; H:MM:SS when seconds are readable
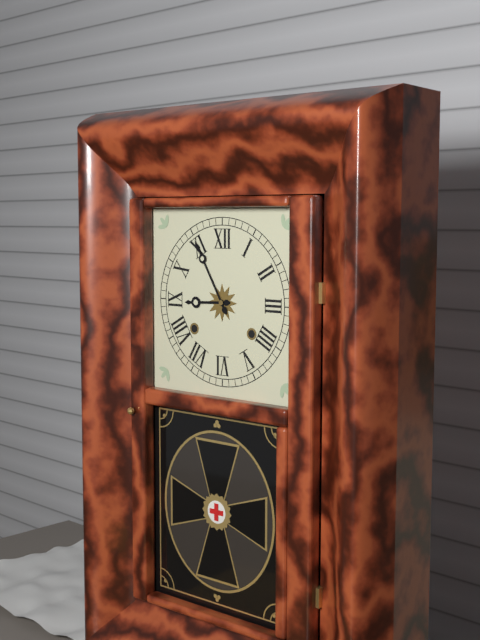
**8:55**
